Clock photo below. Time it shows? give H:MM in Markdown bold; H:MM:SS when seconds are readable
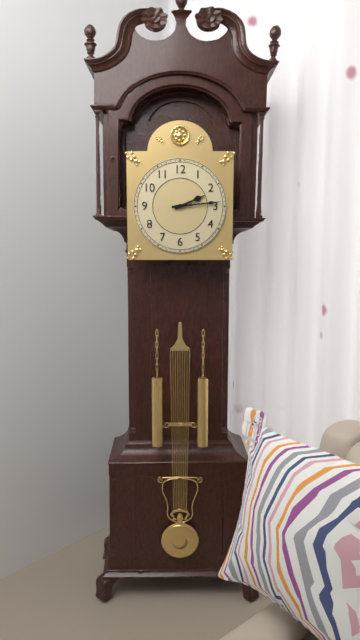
**2:14**
